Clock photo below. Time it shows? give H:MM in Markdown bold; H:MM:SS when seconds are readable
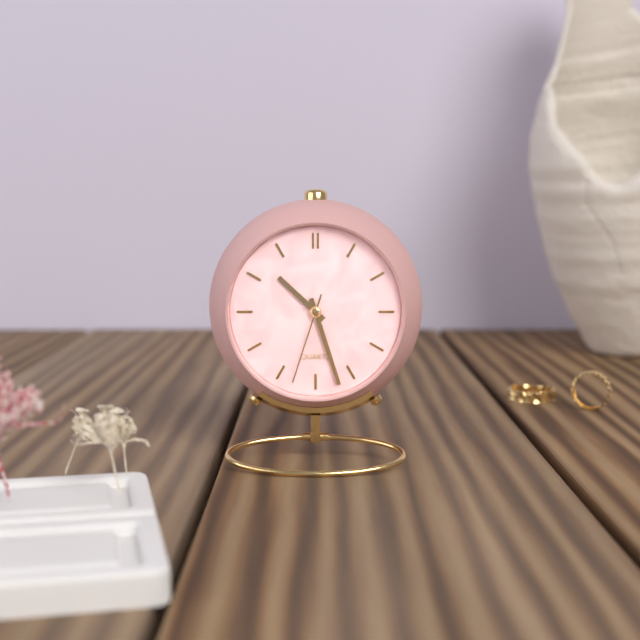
**10:27:33**
